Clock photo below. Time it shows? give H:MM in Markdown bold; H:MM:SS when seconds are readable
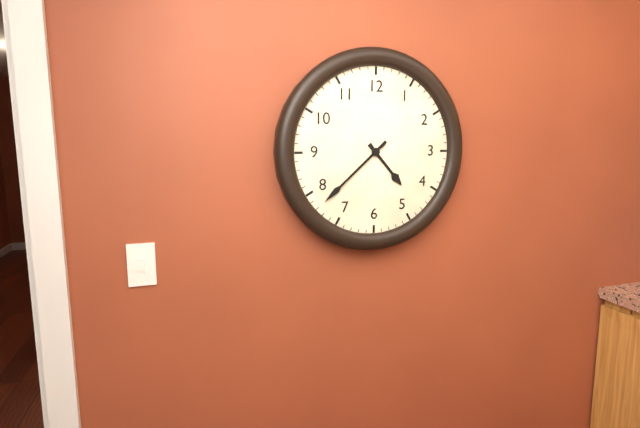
**4:38**
